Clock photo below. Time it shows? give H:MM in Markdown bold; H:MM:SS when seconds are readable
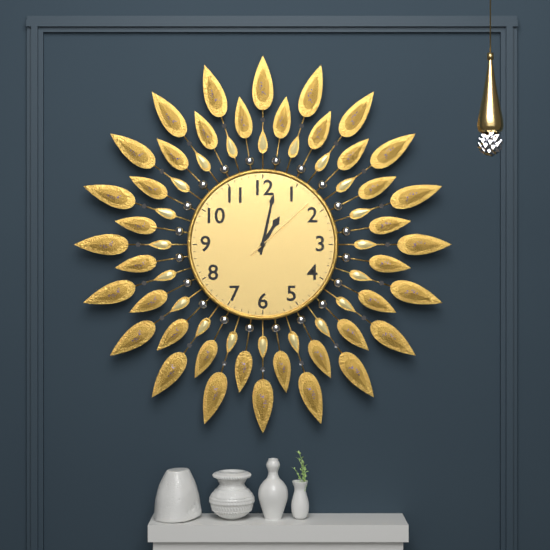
**1:02:08**
